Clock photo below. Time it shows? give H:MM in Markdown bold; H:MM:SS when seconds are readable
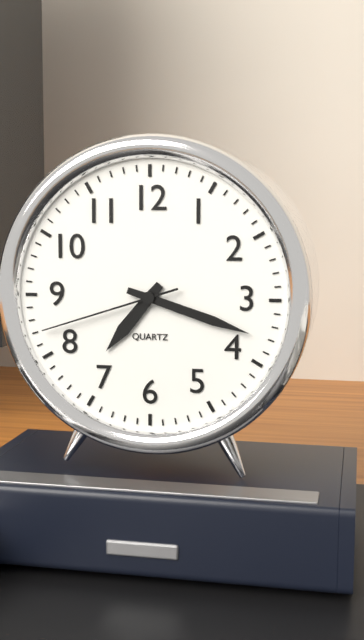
**7:18:42**
